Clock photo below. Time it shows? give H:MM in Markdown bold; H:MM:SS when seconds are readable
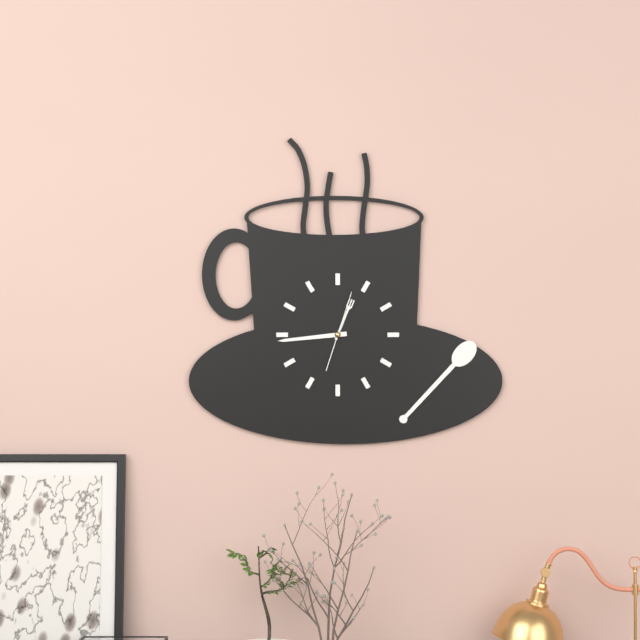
**12:44:03**
